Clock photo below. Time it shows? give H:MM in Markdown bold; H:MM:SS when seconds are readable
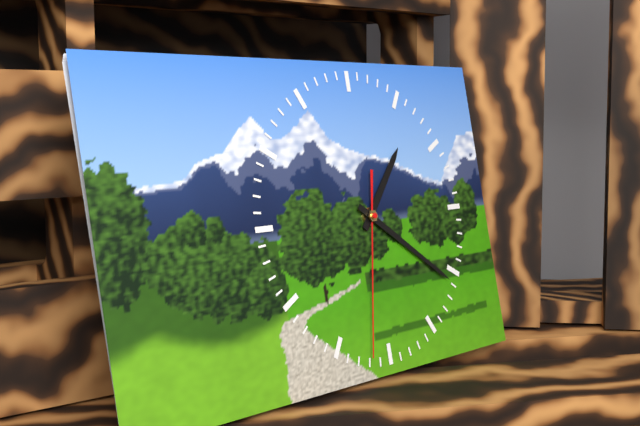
**1:21:32**
